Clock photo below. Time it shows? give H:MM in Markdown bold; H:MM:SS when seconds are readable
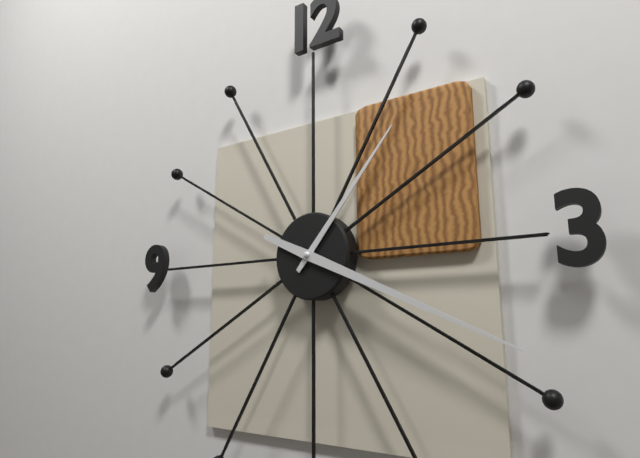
**1:19**
